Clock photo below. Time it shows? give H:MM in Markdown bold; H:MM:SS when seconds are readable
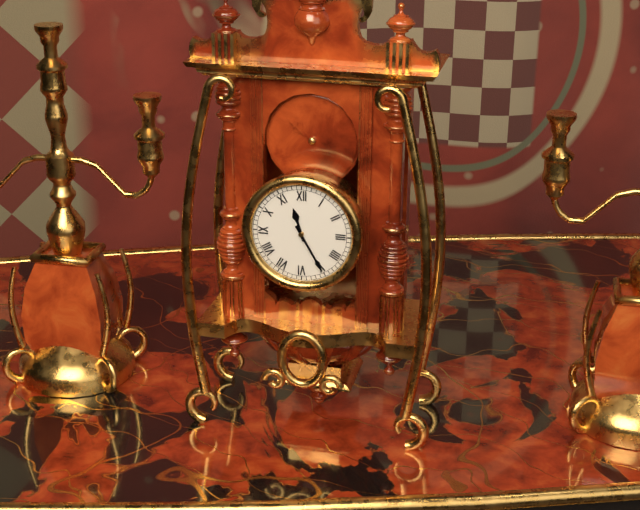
**11:25**
